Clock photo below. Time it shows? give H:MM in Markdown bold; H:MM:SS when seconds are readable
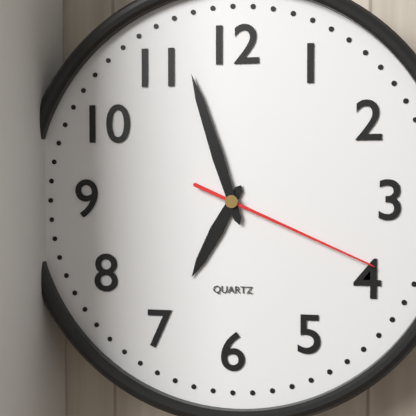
**6:57:19**
